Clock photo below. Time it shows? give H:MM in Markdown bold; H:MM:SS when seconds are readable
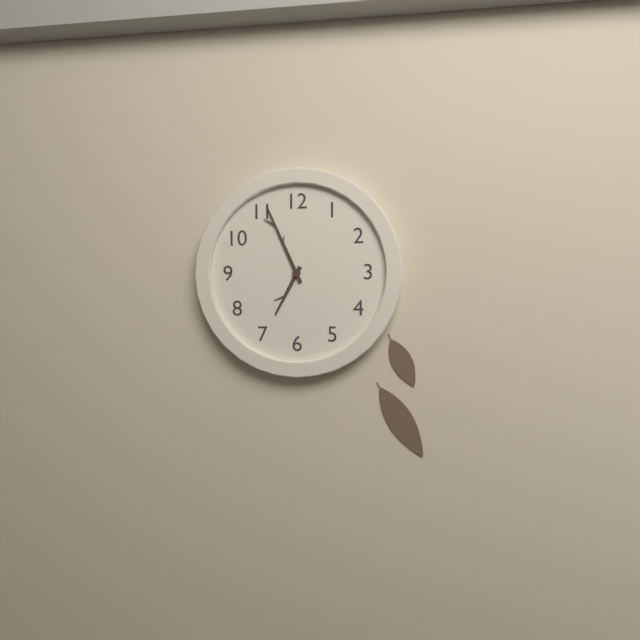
**6:56**
